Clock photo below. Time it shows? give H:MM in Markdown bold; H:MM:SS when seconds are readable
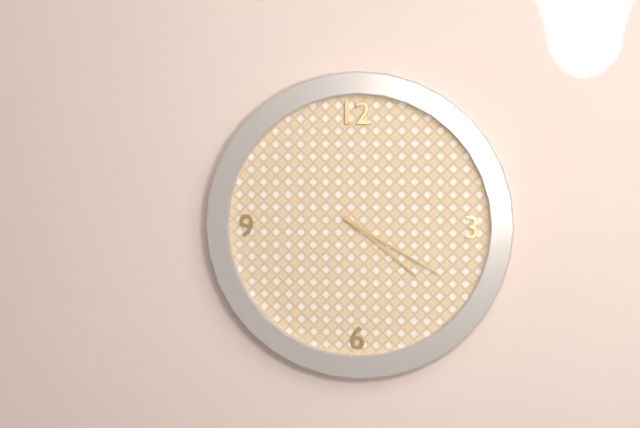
**4:20**
